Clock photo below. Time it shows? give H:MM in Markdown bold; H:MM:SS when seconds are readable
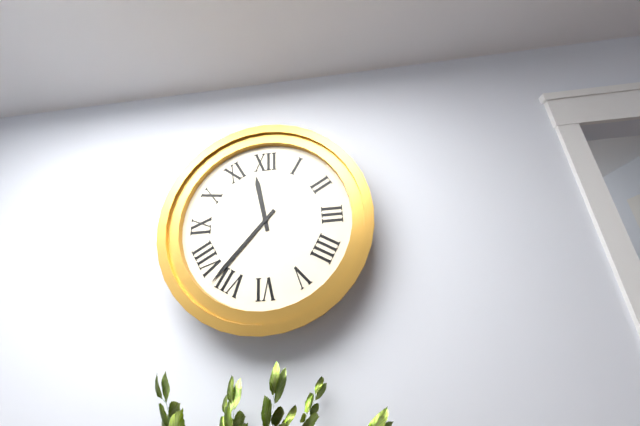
**11:37**
